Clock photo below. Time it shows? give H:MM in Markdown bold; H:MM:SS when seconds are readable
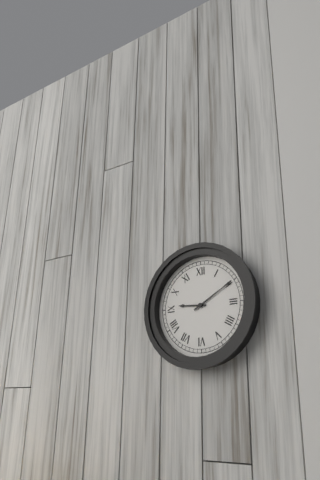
**9:10**
